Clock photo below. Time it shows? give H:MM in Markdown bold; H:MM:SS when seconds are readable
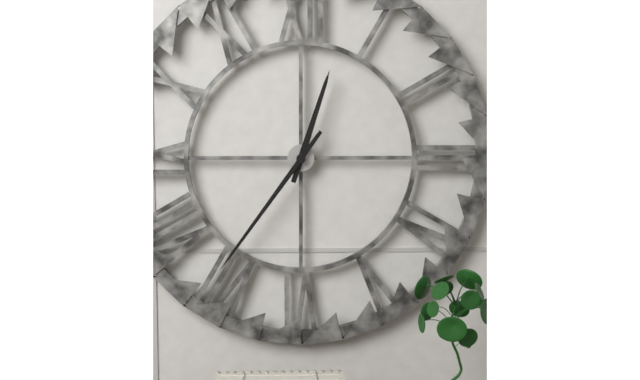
**12:36**
